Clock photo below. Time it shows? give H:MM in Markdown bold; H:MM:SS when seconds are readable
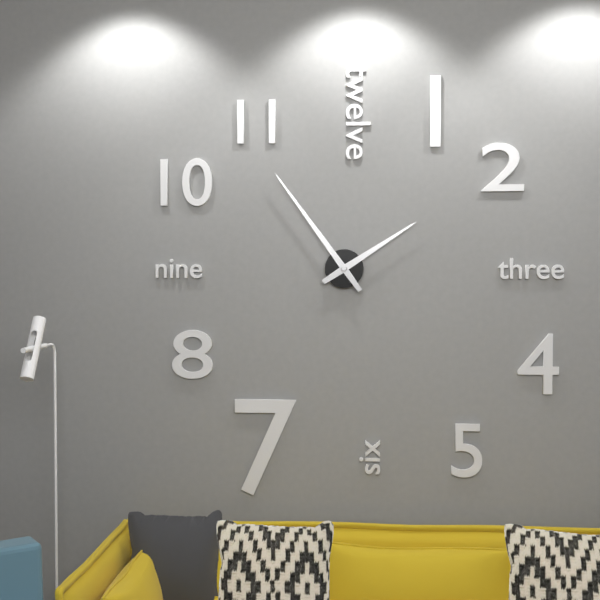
**1:54**
